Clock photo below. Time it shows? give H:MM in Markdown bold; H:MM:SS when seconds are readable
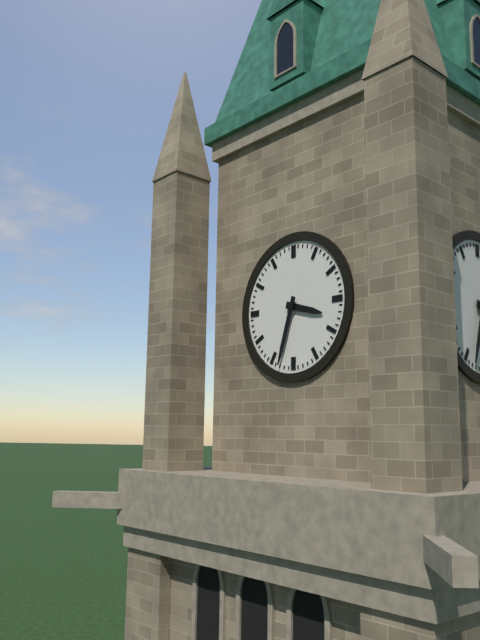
**3:33**
